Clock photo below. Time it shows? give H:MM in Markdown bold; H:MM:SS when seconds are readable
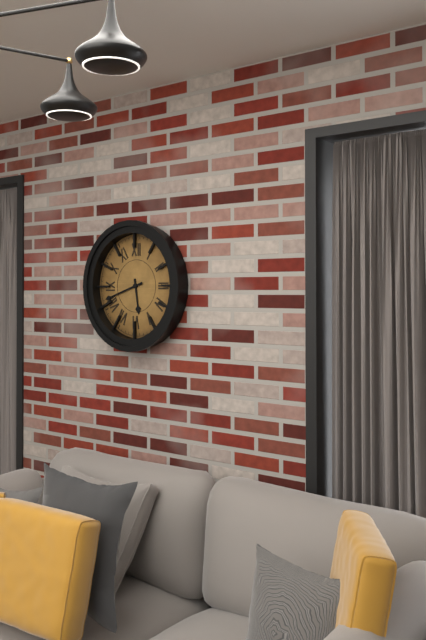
**5:42**
